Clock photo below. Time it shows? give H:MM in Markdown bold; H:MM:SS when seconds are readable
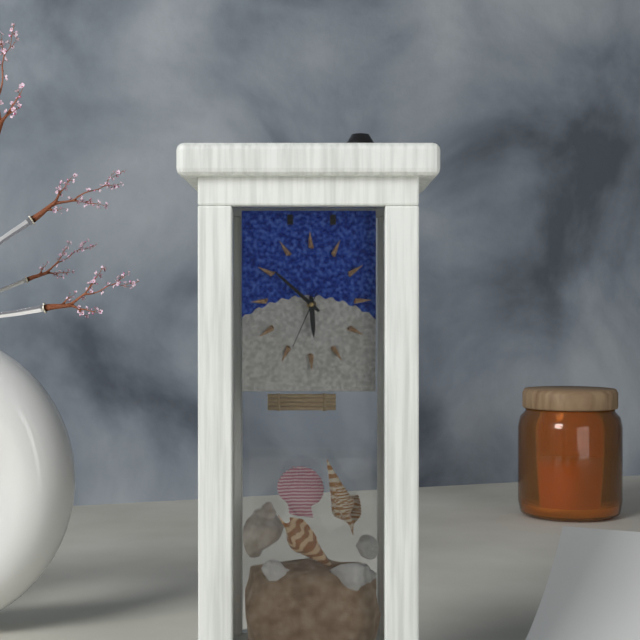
**5:52:34**
